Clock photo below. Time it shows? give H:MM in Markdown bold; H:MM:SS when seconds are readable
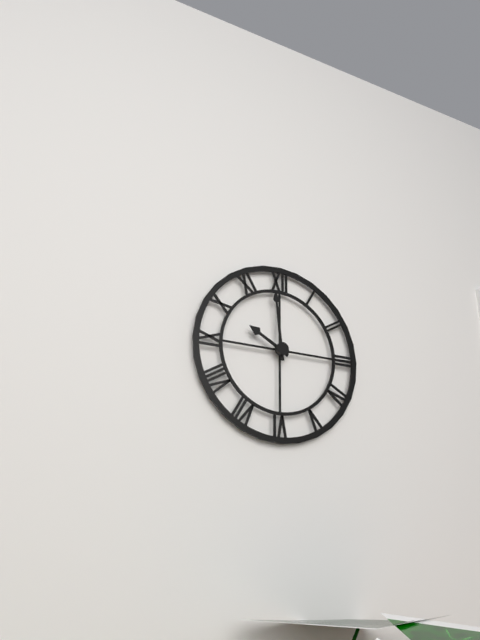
**9:59**
